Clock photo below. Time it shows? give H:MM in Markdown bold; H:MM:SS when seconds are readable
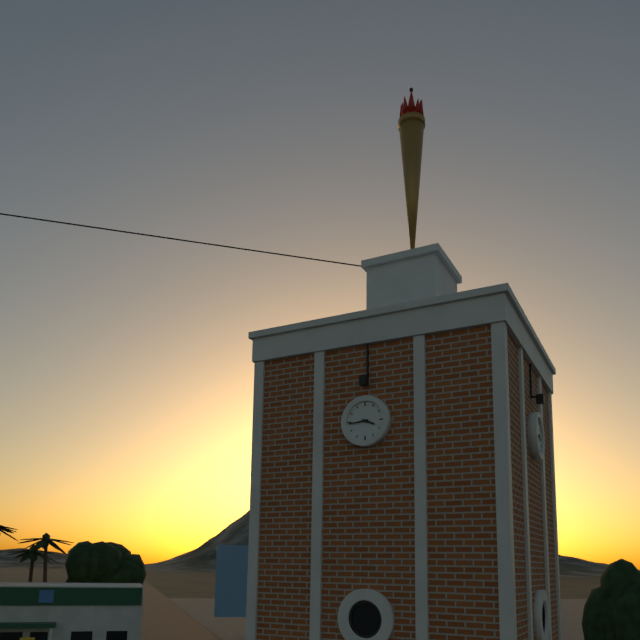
**3:44**
